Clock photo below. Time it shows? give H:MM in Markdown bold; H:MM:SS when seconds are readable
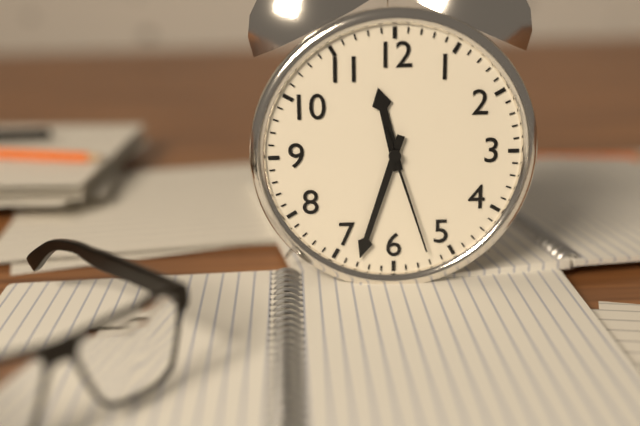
**11:33:27**
